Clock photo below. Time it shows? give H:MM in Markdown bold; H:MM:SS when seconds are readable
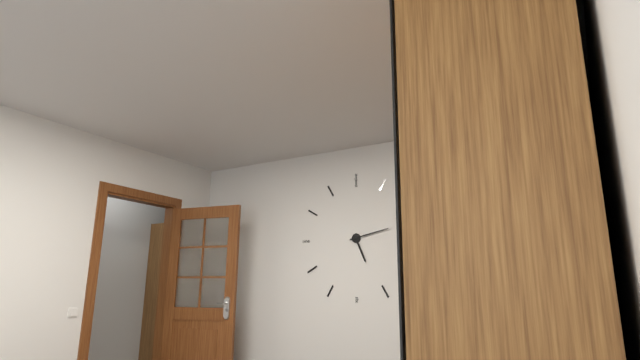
**5:13**
